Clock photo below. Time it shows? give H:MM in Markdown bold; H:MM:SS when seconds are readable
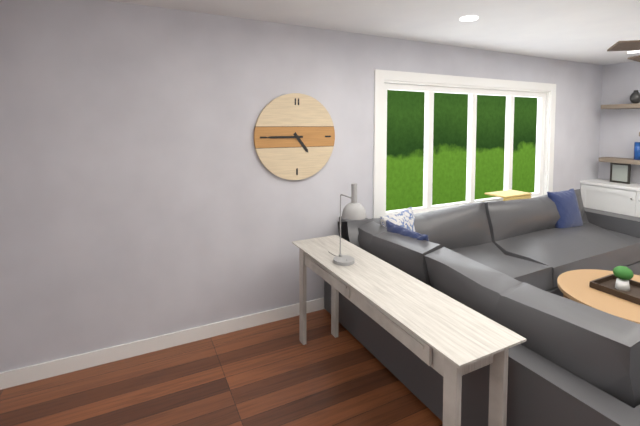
**4:45**
